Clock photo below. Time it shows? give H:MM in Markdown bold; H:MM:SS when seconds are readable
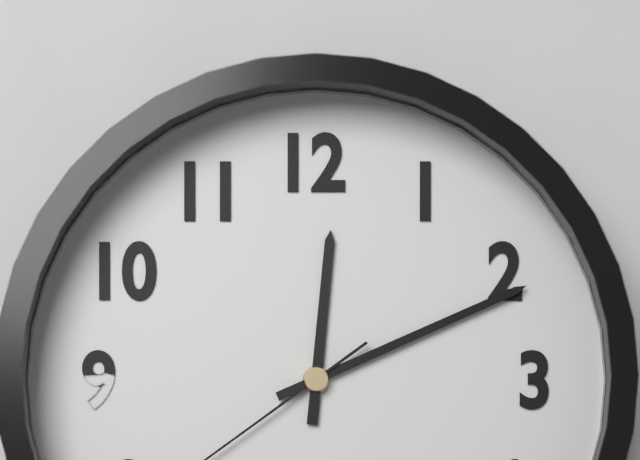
**12:11**
